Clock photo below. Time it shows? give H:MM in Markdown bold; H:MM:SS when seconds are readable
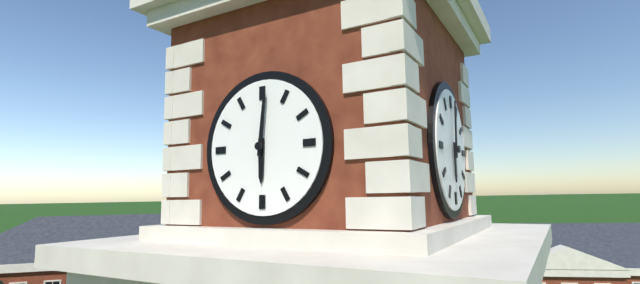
**6:01**
